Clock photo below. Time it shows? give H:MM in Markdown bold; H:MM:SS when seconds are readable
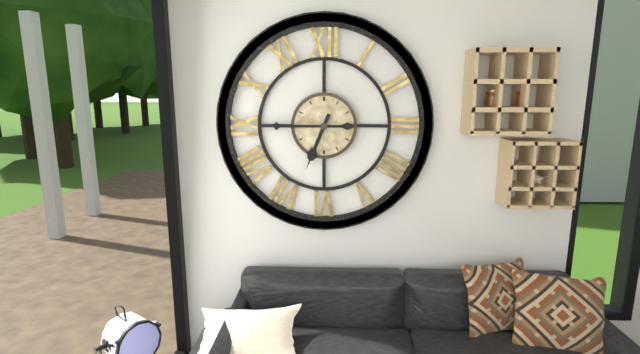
**6:45**
